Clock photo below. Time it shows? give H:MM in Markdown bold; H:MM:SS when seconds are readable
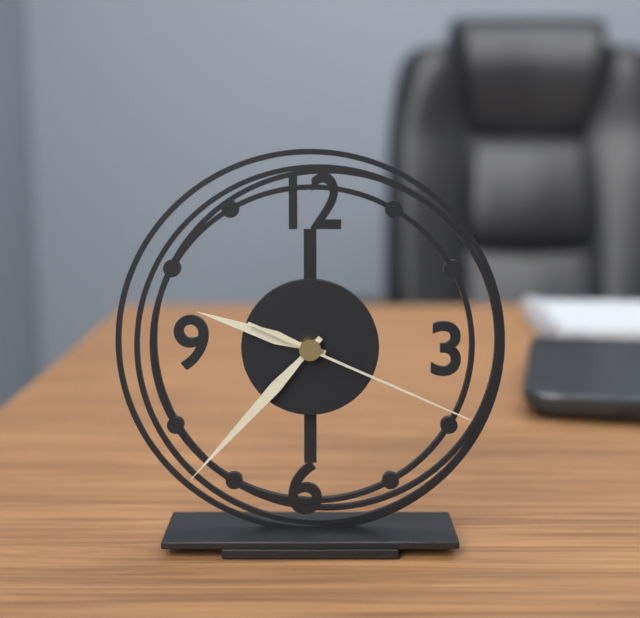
**9:37:19**
